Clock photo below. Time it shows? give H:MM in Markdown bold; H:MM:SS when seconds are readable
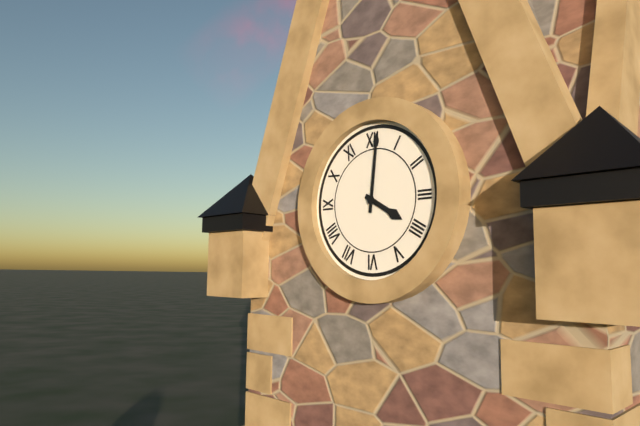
**4:01**
